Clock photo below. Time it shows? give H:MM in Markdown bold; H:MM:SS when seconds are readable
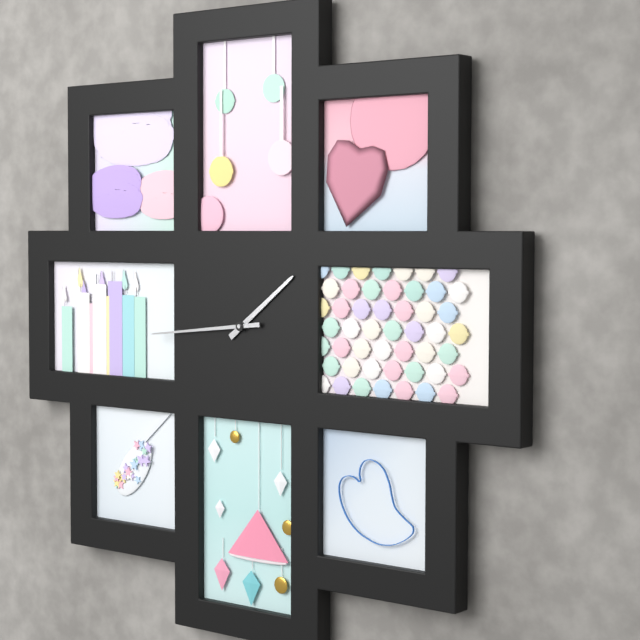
**1:44**
